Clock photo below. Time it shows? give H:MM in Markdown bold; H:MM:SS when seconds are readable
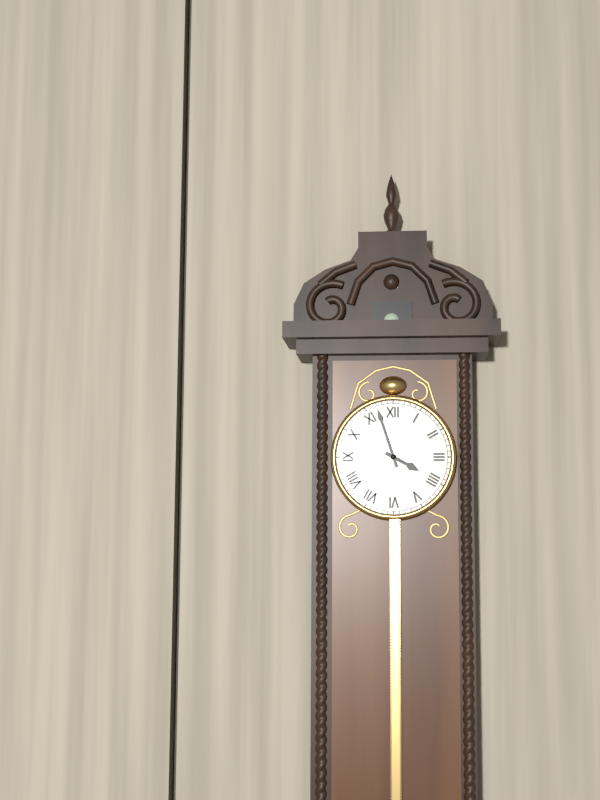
**3:57**
